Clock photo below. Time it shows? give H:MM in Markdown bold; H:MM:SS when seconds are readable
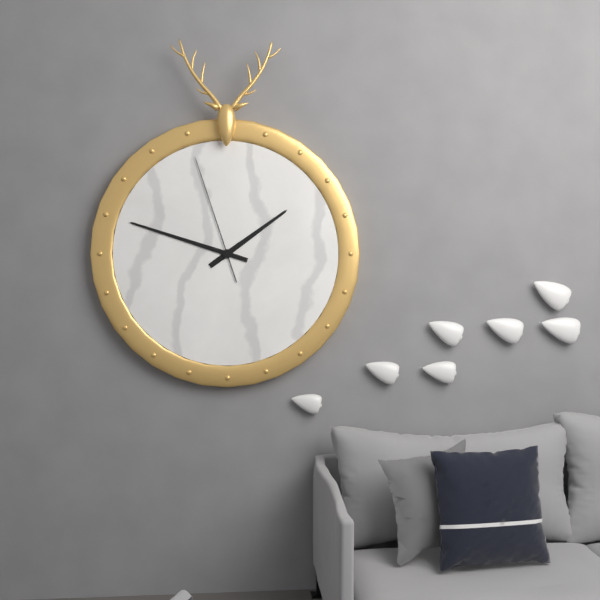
**1:48:57**
